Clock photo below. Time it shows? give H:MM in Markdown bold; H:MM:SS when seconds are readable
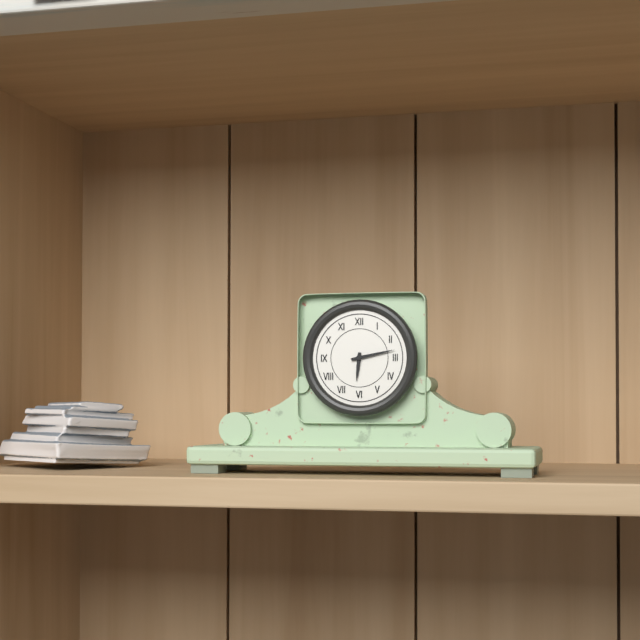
**6:13**
